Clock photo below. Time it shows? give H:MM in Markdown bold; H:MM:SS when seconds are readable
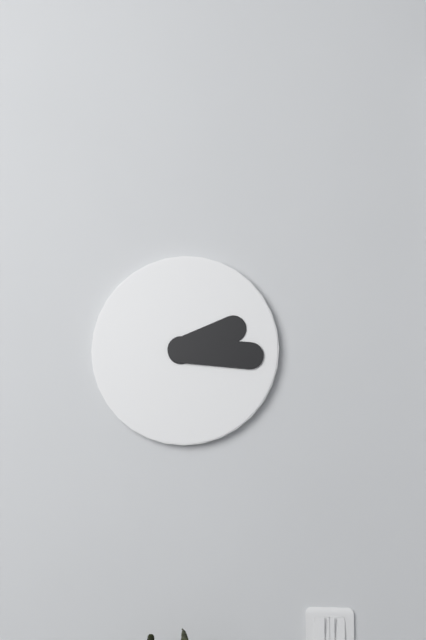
**2:16**
